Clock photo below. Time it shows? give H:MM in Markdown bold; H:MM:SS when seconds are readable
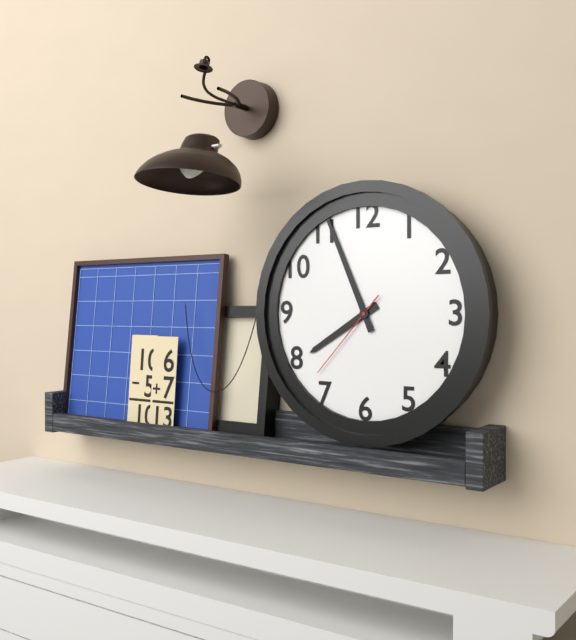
**7:56:37**
